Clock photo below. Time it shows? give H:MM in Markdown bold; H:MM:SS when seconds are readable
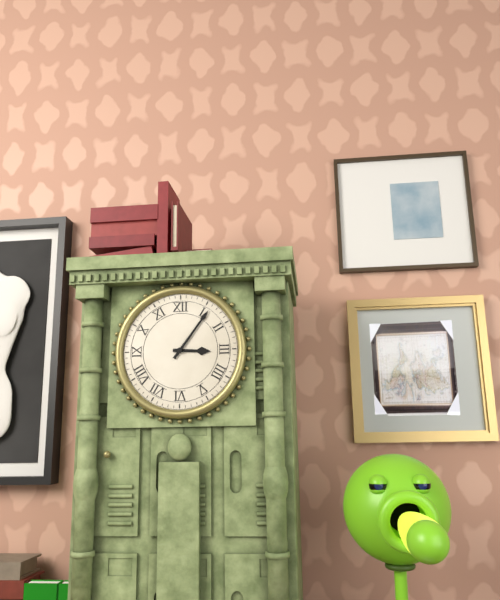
**3:06**
